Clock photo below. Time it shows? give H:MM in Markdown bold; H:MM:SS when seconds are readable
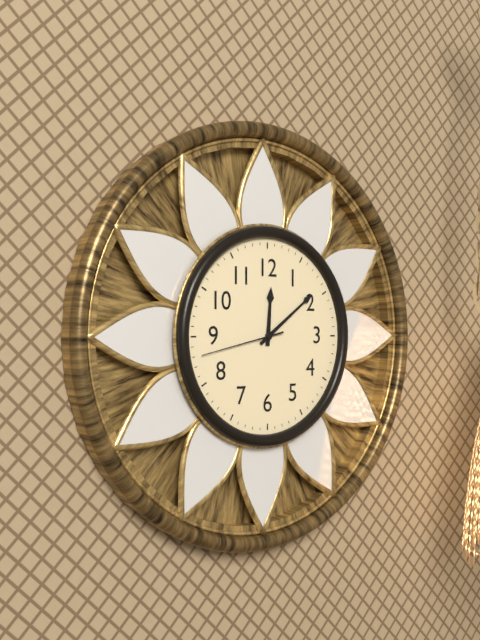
**12:09:43**
